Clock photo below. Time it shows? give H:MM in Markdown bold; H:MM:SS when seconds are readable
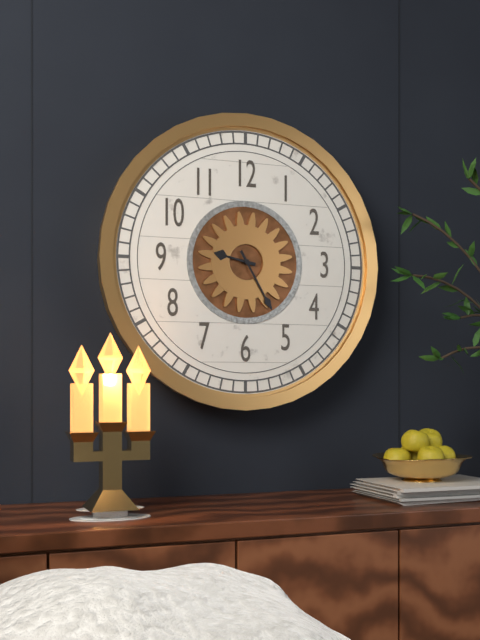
**9:25**
